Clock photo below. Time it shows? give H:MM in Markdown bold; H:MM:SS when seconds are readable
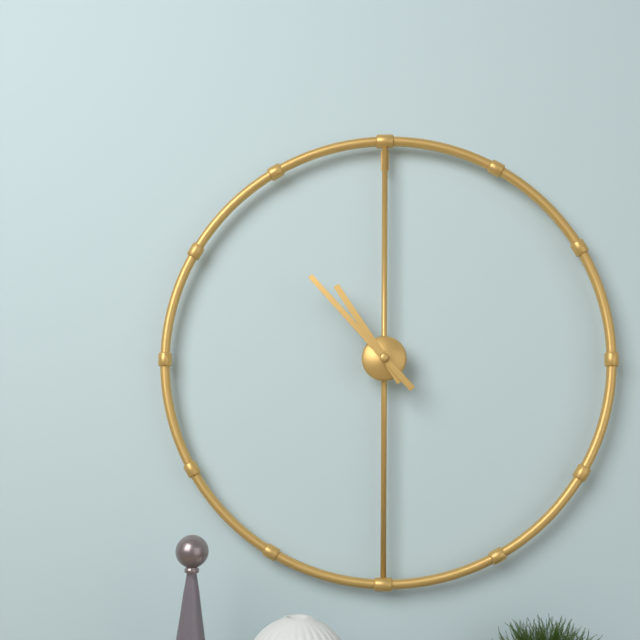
**10:53**
